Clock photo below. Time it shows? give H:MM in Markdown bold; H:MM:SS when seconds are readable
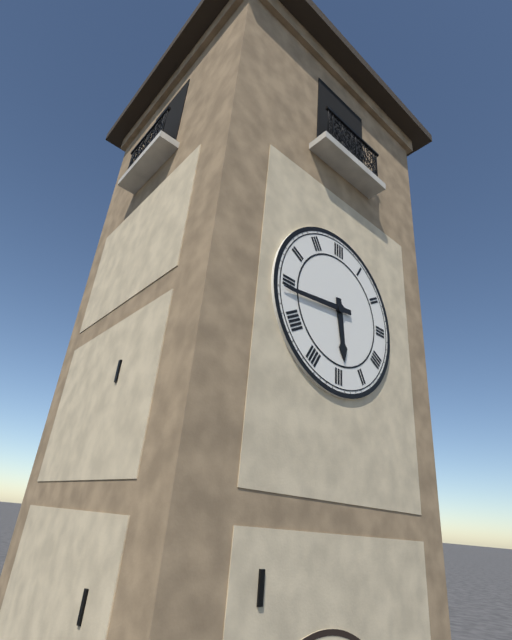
**5:44**
